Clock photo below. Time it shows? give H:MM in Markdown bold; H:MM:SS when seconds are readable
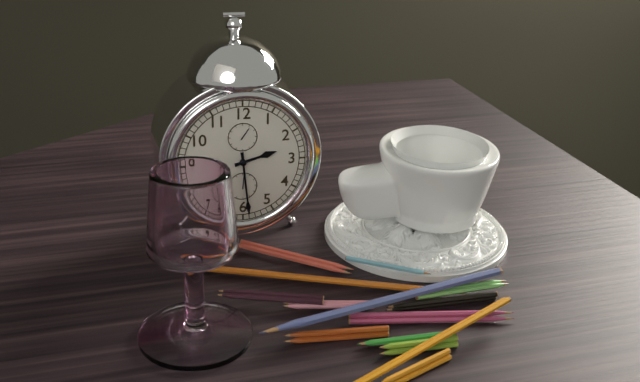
**2:29**
